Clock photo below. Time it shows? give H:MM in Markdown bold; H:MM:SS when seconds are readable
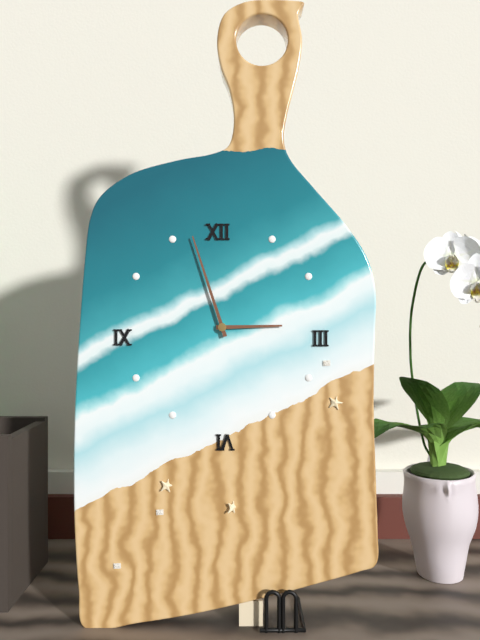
**2:57**
